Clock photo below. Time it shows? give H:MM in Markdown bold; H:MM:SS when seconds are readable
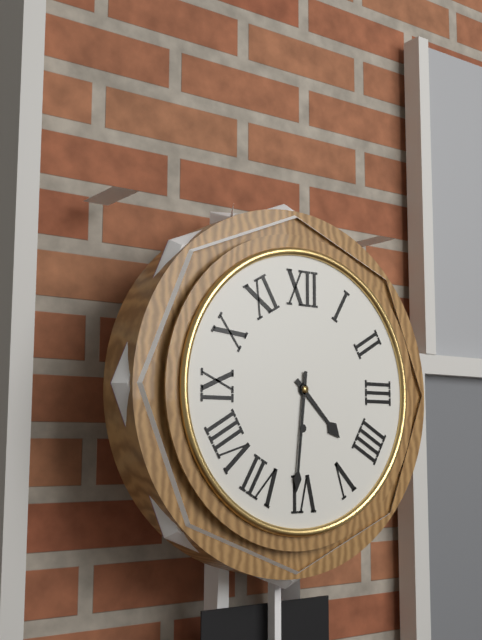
**4:31**
